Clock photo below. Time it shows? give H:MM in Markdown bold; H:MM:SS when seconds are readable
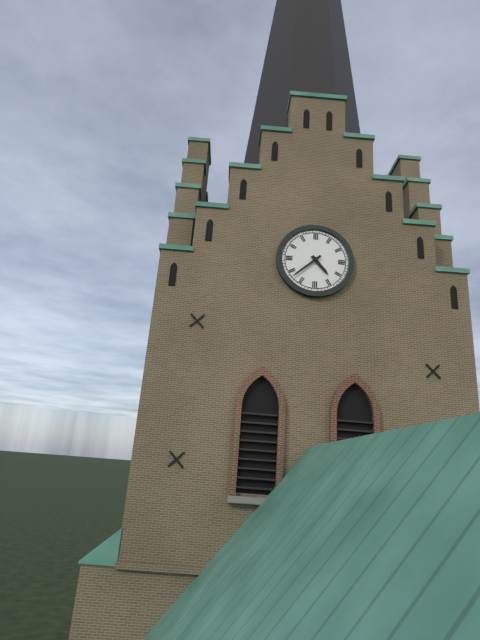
**4:38**
